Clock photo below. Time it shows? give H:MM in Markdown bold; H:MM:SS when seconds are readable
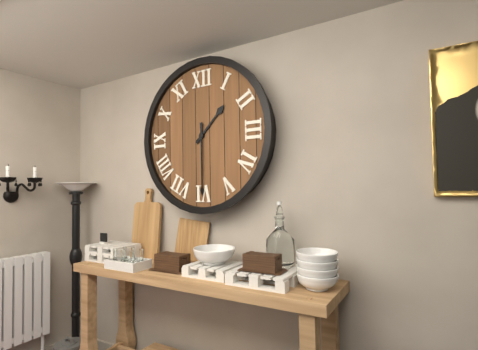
**1:30**
